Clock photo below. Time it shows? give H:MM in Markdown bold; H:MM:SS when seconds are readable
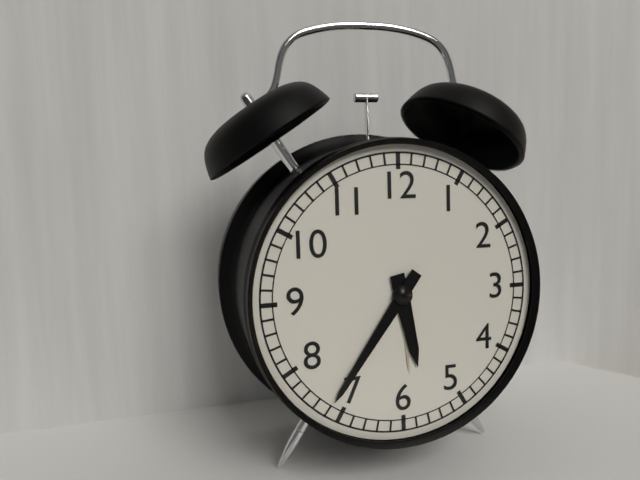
**5:36**
